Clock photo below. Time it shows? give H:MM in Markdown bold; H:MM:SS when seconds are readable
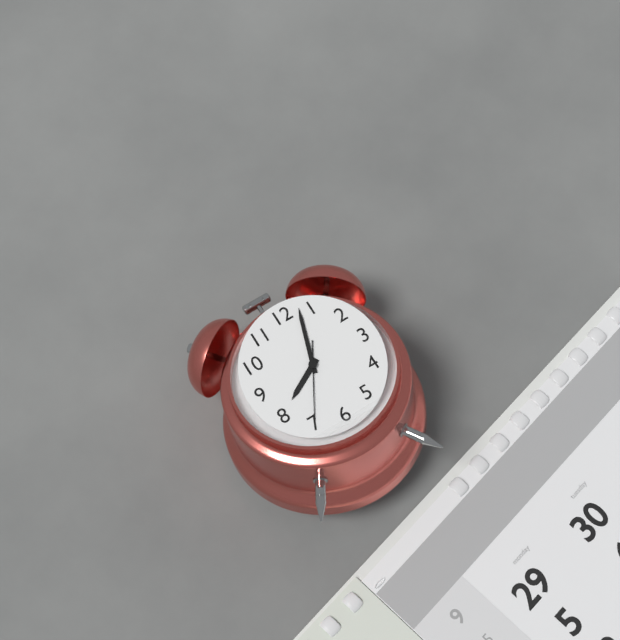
**8:03:35**
